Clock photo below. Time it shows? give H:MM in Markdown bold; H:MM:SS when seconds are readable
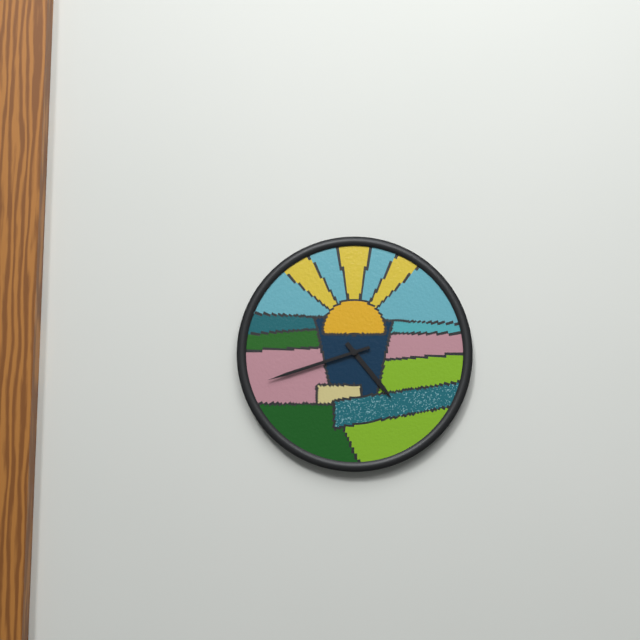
**4:42**
